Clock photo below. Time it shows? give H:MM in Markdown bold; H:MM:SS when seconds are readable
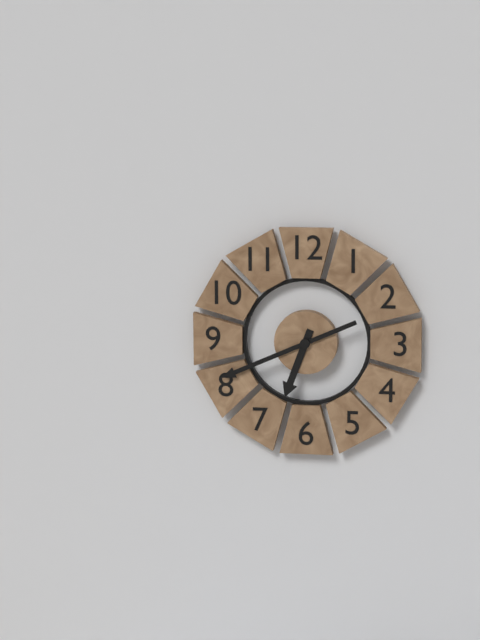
**6:41**
